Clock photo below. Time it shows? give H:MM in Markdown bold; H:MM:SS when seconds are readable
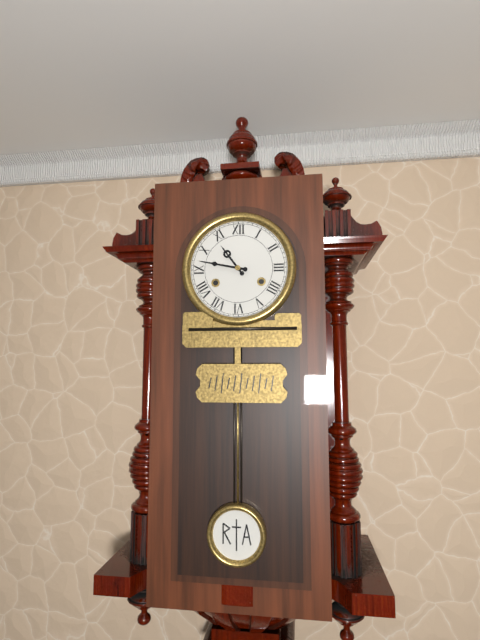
**10:47**
